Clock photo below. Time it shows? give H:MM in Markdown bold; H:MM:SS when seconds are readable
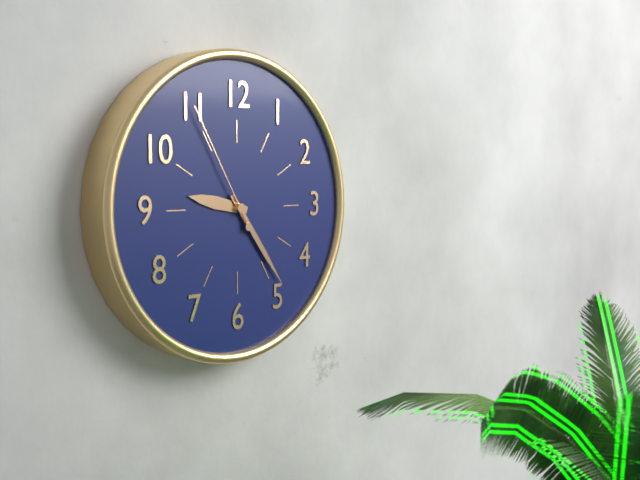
**9:24:55**
